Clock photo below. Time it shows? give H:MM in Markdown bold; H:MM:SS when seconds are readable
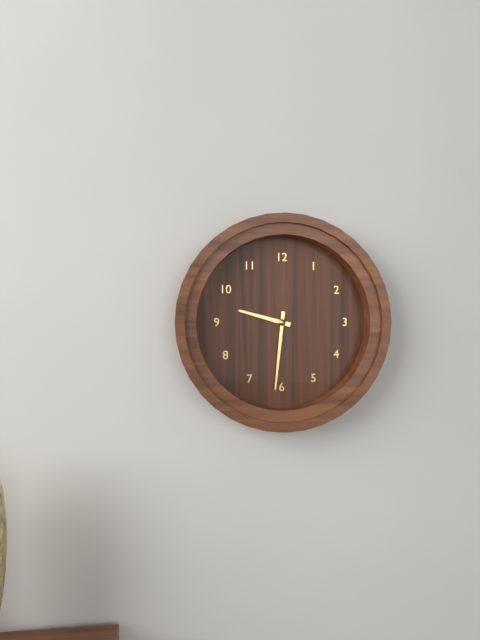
**9:31**
